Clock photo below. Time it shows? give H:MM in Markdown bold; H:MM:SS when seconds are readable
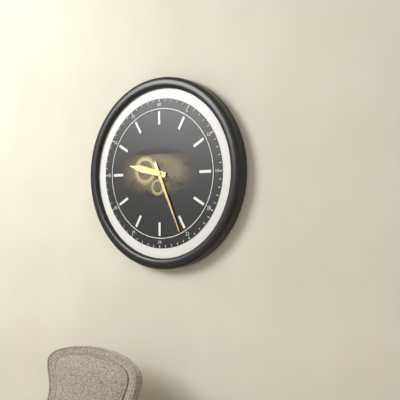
**9:26**
